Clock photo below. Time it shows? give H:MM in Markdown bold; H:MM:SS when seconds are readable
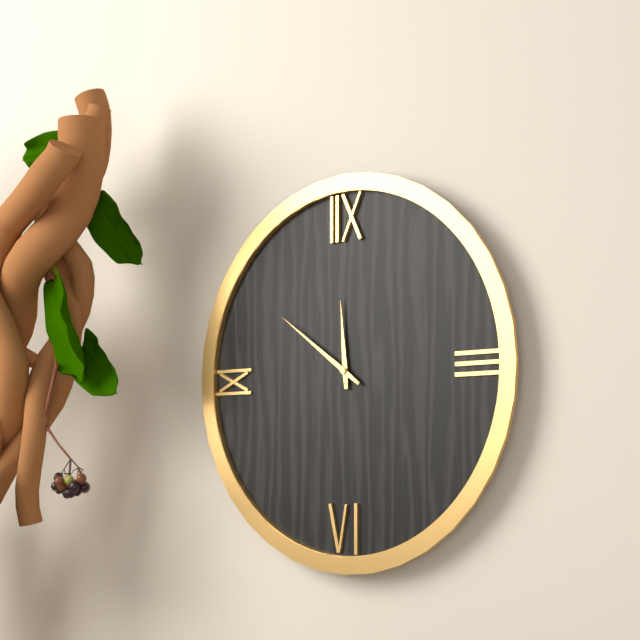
**11:51**
